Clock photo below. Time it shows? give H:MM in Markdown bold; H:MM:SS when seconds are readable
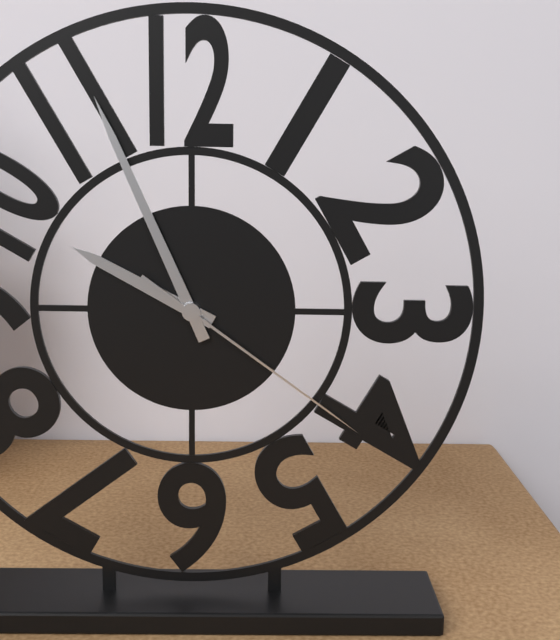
**9:56:21**
